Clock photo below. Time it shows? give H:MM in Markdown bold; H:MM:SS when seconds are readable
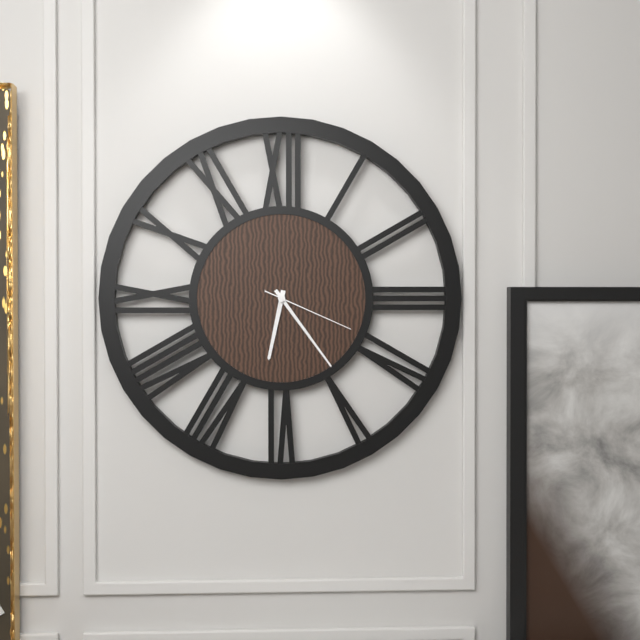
**6:24:19**
